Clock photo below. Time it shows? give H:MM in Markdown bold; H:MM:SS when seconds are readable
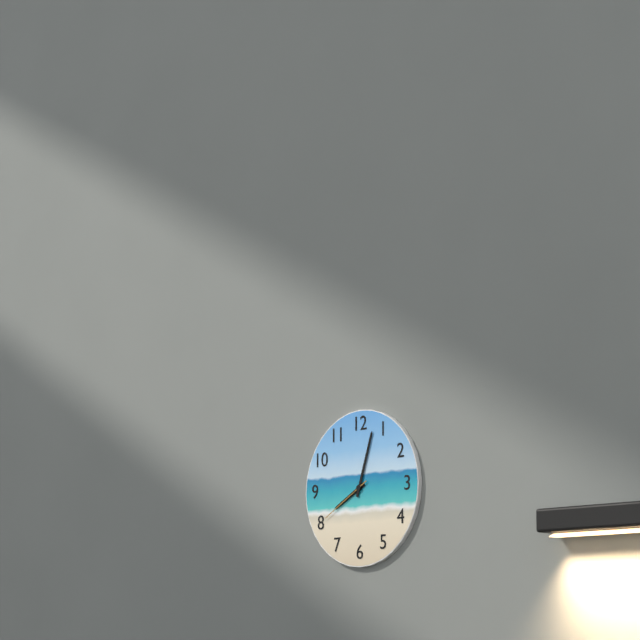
**8:03:40**
